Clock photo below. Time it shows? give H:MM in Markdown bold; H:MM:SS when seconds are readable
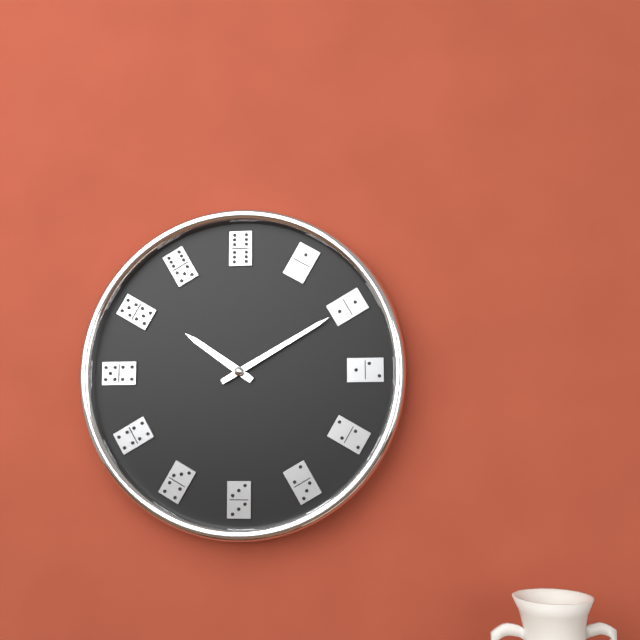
**10:10**
